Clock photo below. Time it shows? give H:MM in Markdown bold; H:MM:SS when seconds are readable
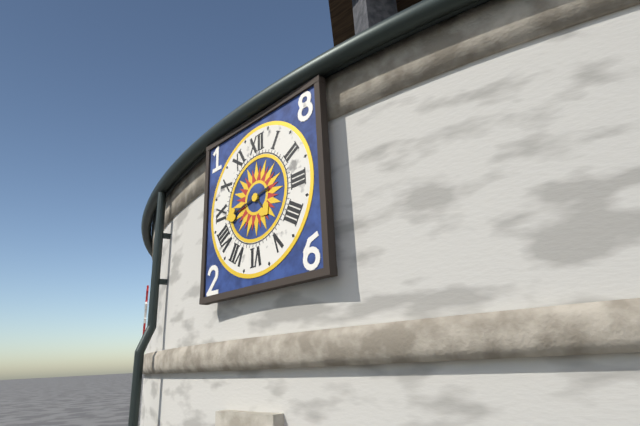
**4:43**
